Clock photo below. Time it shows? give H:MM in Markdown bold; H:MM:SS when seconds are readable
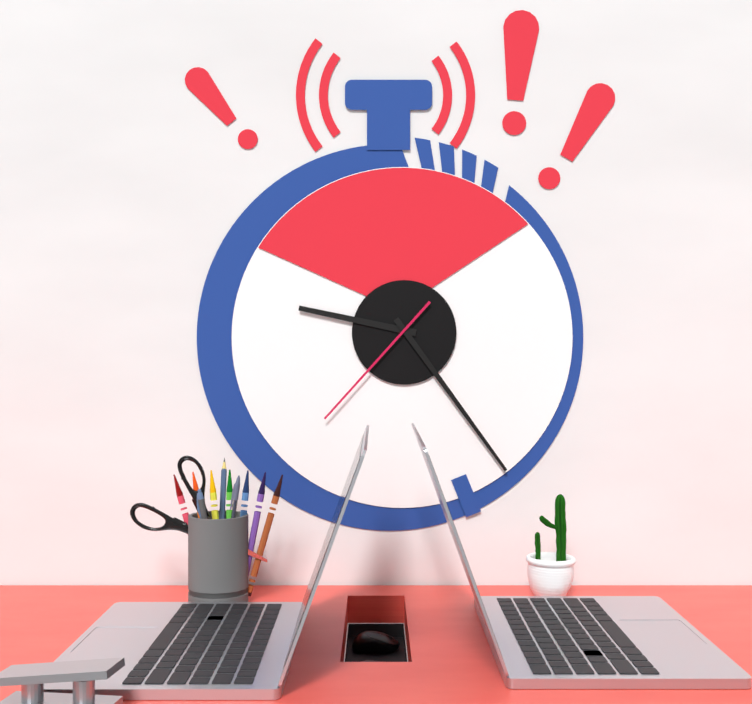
**9:24:37**
